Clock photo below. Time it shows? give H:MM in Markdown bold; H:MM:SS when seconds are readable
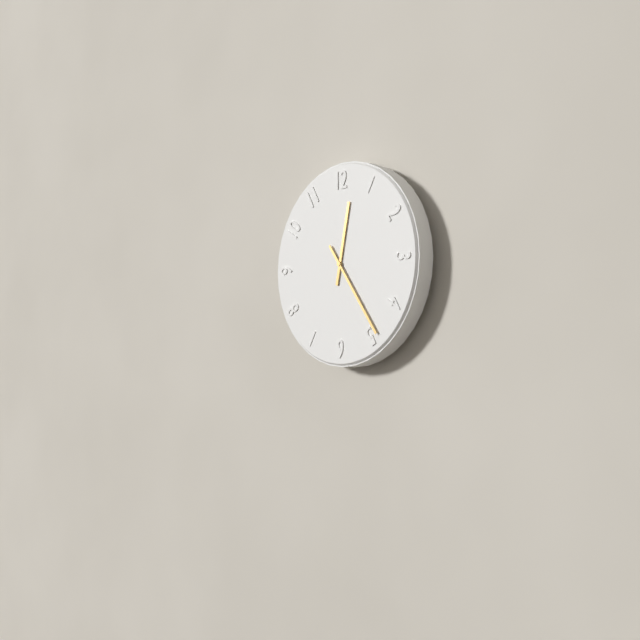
**12:24**
